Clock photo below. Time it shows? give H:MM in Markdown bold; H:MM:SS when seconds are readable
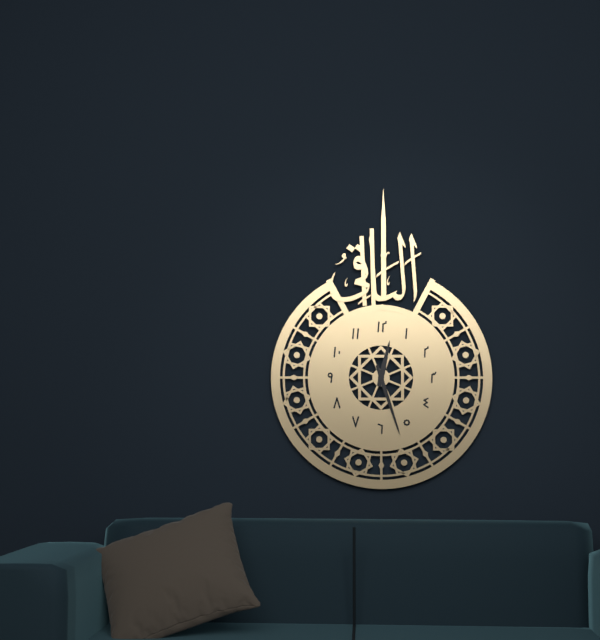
**12:27**
